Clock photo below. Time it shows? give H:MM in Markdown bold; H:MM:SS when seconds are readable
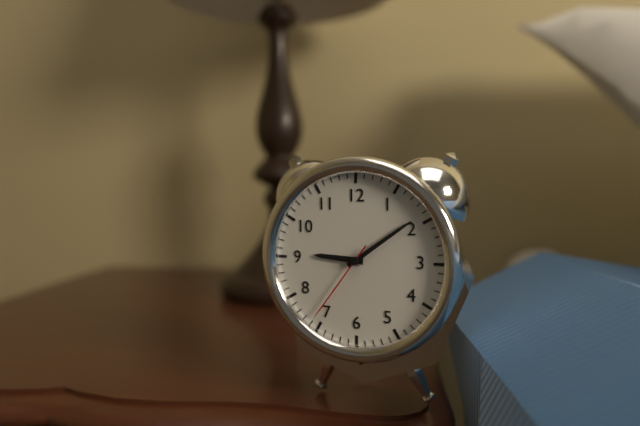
**9:09:36**
